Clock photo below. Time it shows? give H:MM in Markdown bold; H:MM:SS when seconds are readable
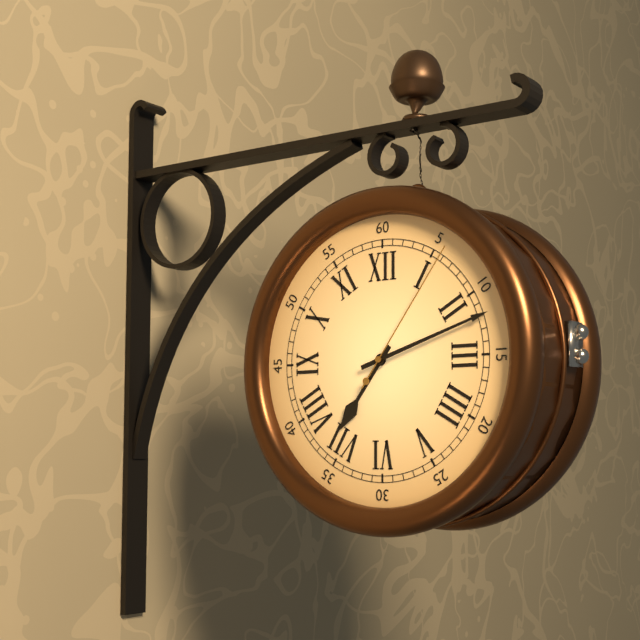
**7:12:06**
